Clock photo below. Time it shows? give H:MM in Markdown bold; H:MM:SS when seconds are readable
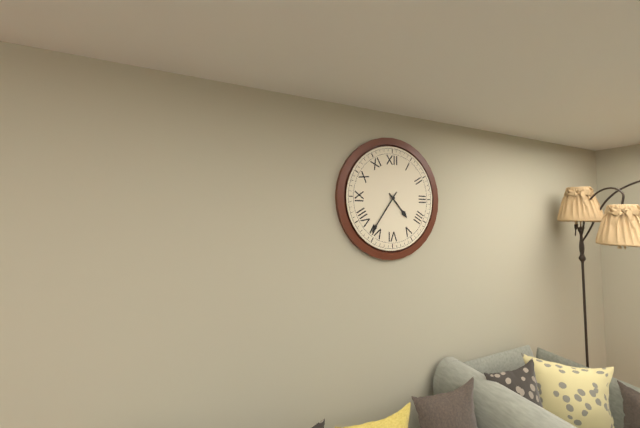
**4:36**
